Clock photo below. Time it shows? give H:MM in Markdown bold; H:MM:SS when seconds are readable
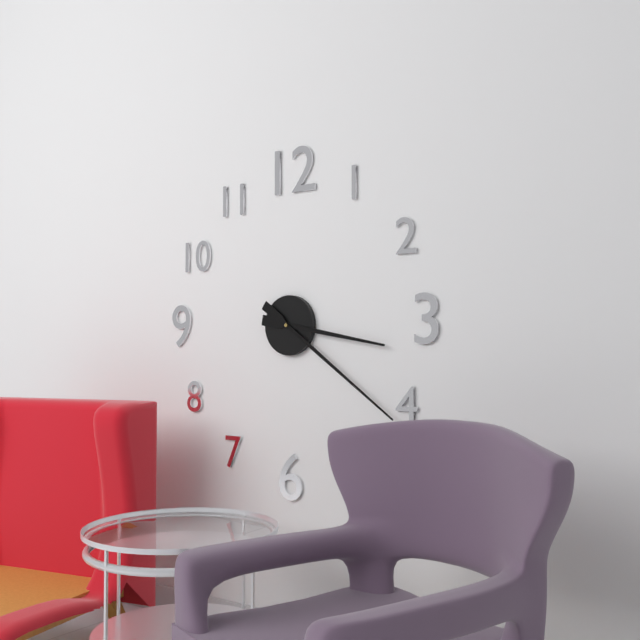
**3:21**
